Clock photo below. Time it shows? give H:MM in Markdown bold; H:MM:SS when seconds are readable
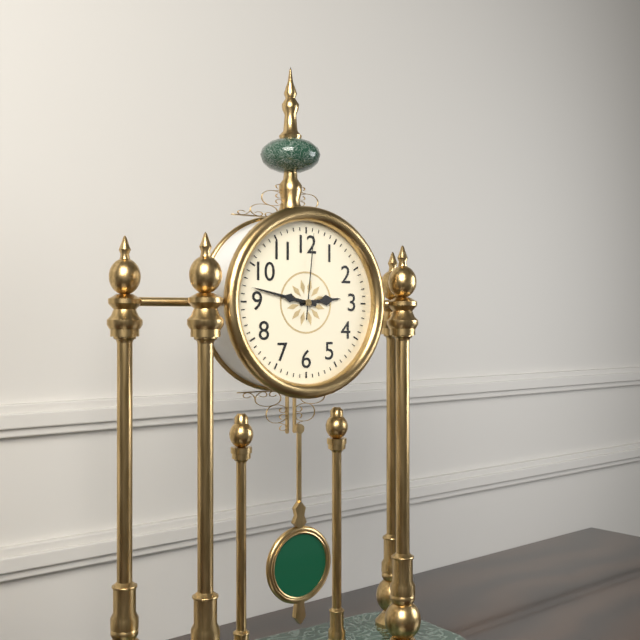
**2:47:01**
